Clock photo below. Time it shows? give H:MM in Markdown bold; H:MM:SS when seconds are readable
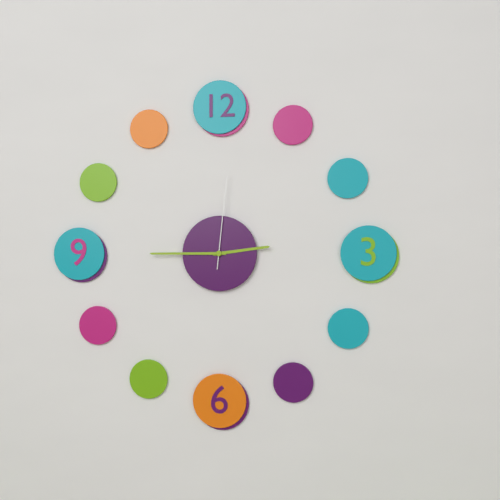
**2:45:01**
